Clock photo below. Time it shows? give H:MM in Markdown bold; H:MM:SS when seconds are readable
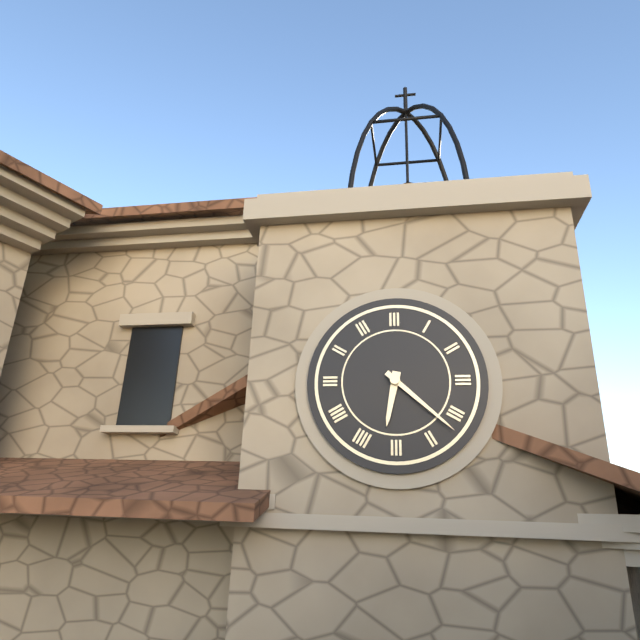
**6:22**
